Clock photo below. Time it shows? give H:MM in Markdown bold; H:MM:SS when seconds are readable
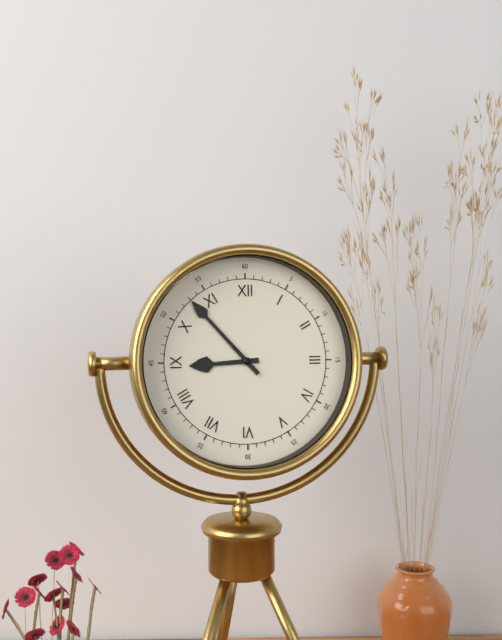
**8:53**
